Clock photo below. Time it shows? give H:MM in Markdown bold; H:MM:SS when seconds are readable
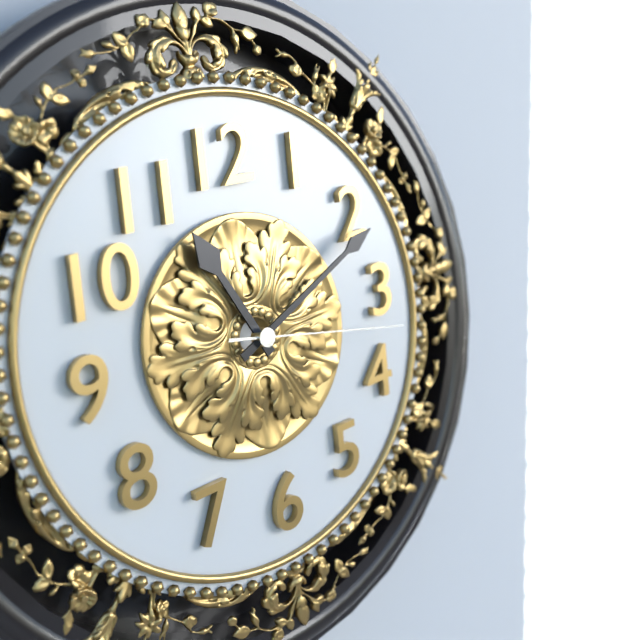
**11:11:17**
